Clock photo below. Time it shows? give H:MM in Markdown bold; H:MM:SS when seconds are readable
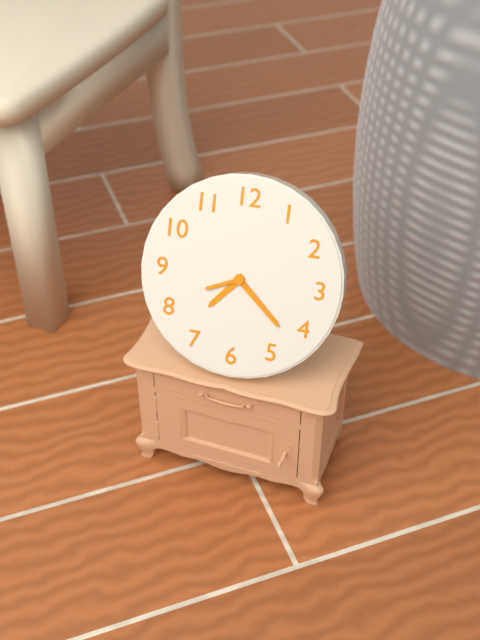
**7:22**
